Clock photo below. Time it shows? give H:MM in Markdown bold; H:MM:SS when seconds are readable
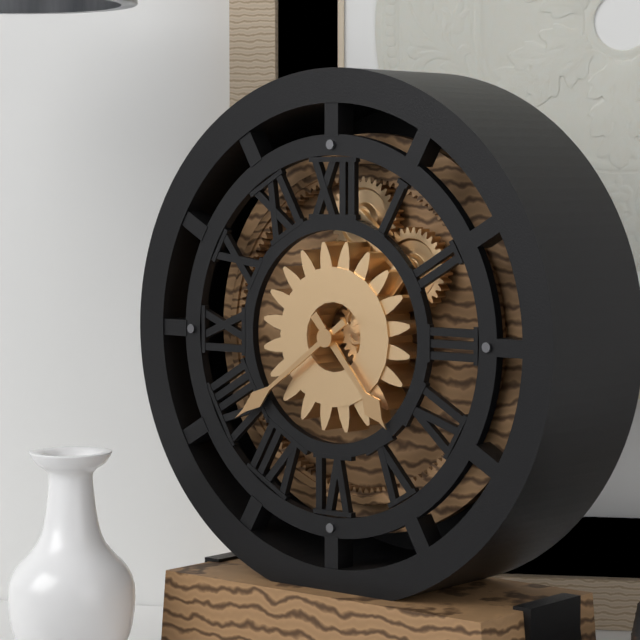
**4:39**
